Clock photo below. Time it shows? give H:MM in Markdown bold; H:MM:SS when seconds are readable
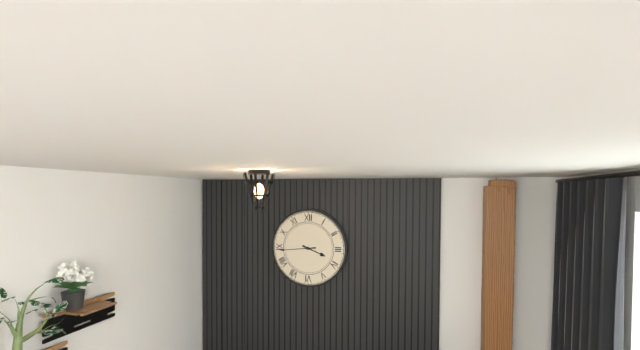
**3:44**
